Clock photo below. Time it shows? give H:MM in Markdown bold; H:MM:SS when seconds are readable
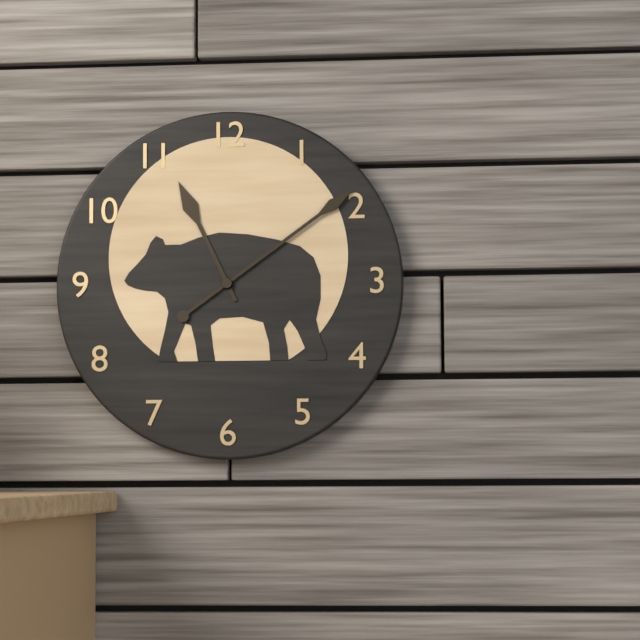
**11:09**
